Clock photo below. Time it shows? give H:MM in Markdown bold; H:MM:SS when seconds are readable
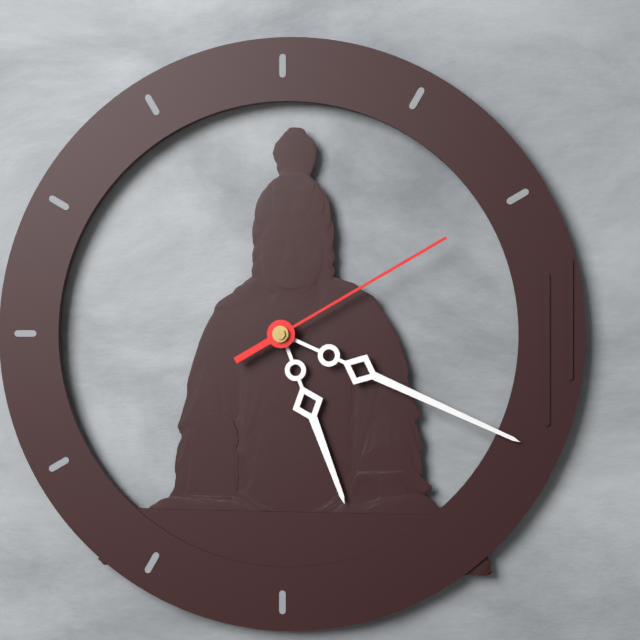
**5:19:10**
